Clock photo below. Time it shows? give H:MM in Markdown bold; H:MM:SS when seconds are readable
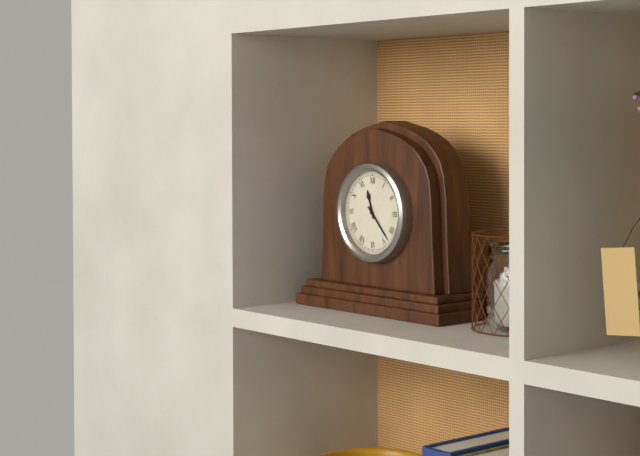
**11:23**
